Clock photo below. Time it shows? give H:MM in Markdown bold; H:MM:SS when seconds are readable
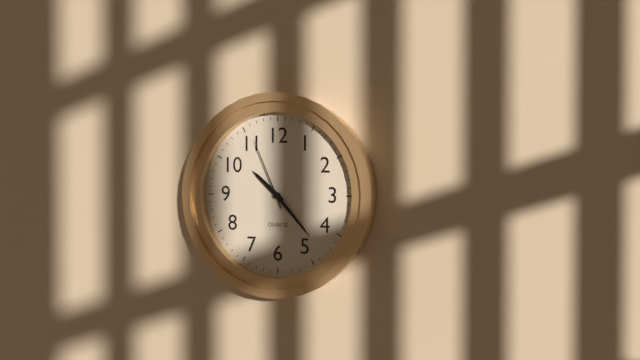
**10:23:56**
